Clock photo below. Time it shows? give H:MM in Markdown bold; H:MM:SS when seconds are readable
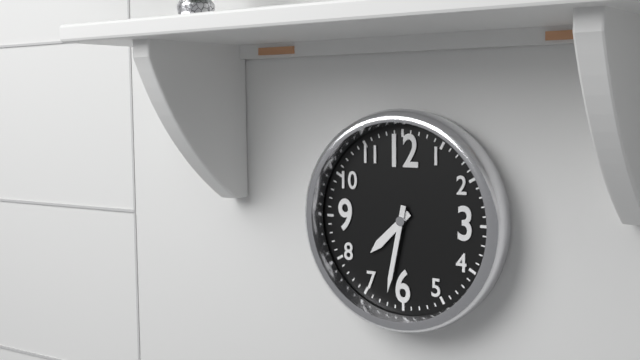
**7:32**
